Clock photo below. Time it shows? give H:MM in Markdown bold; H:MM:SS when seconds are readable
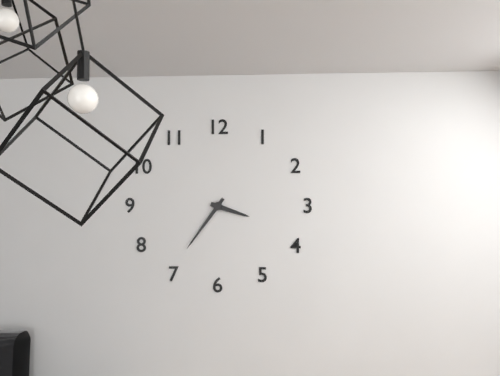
**3:36**
